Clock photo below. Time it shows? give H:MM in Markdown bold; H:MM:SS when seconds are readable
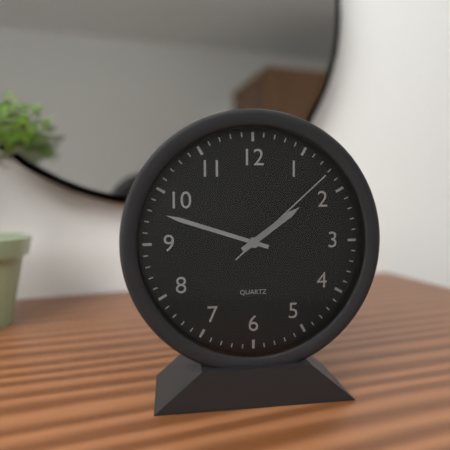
**1:48:08**
